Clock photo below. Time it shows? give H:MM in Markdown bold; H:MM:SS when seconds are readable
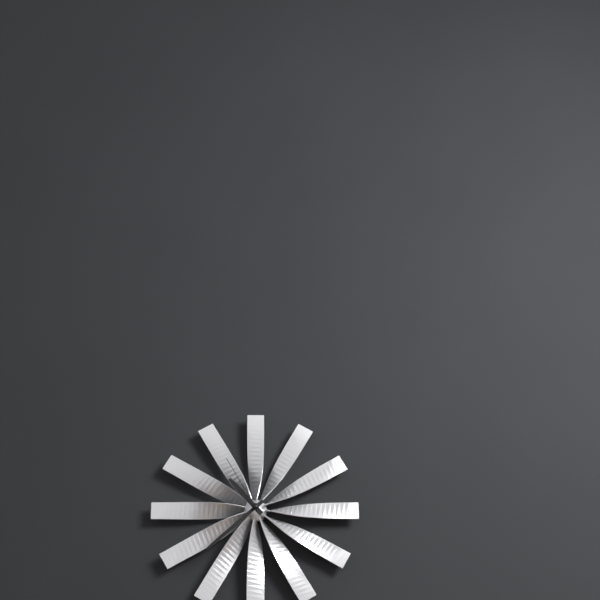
**10:38:55**
